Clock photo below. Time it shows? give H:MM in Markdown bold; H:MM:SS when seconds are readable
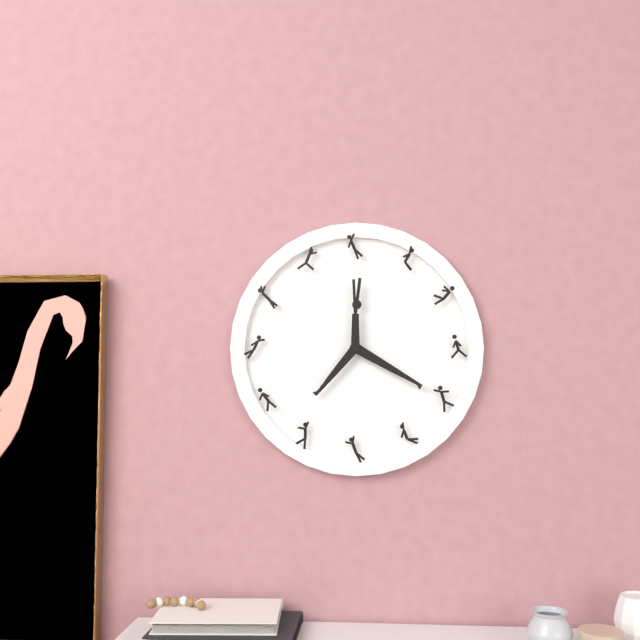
**7:20**
